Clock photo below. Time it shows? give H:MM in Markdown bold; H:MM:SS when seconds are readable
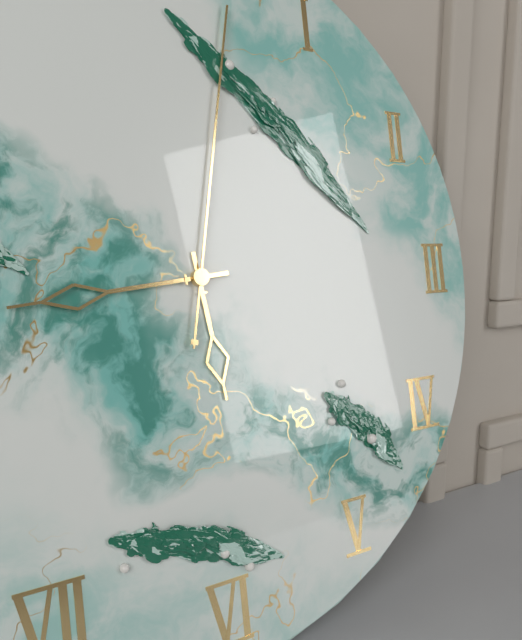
**5:44:02**
